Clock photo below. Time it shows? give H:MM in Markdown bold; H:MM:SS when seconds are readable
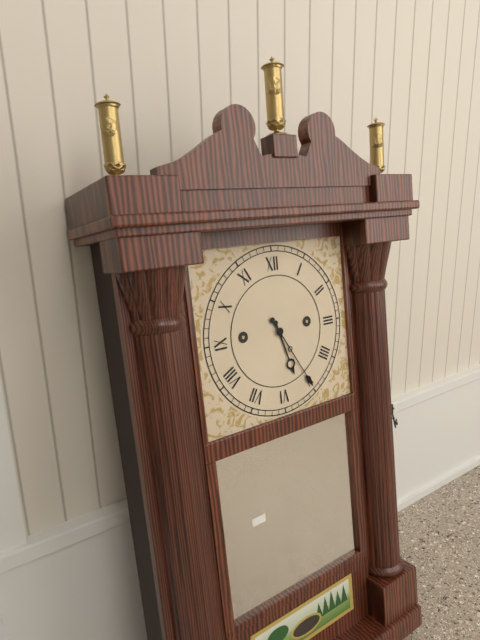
**5:25**
